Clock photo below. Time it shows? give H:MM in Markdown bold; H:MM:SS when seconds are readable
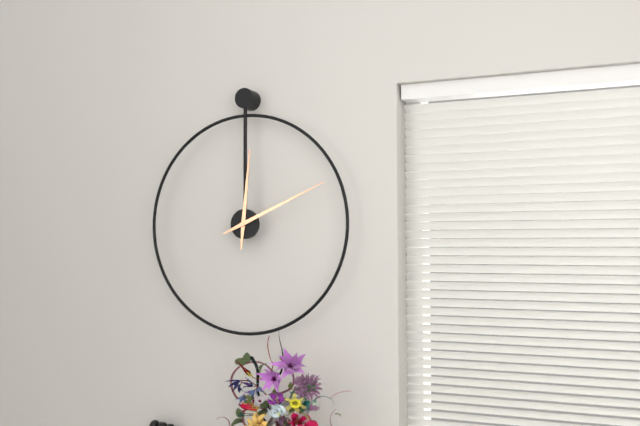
**12:11**
